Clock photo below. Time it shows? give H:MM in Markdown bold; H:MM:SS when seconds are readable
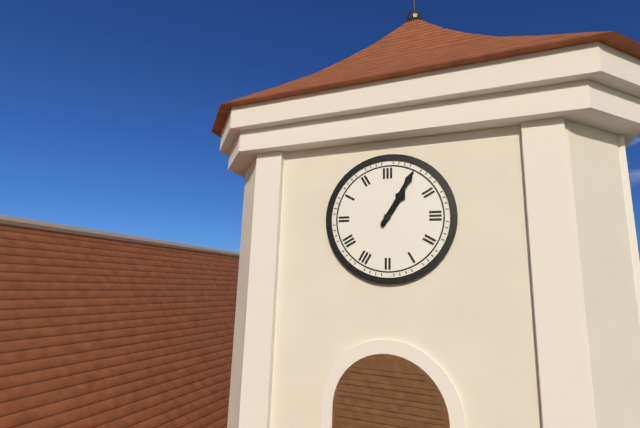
**1:05**
